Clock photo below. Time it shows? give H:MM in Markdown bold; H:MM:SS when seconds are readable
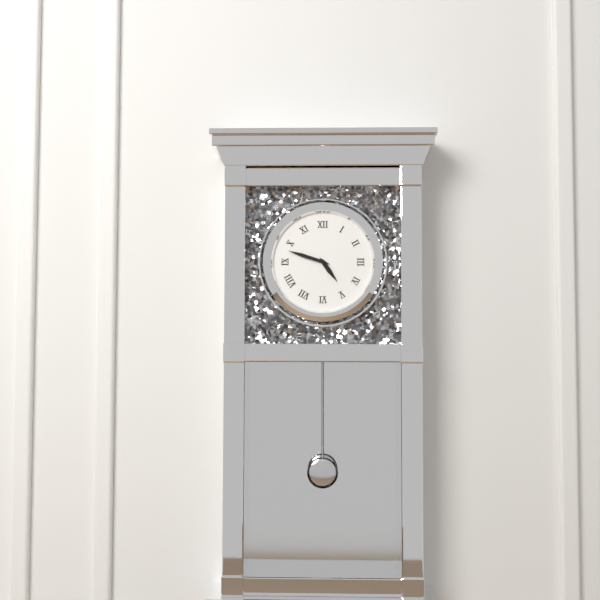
**4:48**
